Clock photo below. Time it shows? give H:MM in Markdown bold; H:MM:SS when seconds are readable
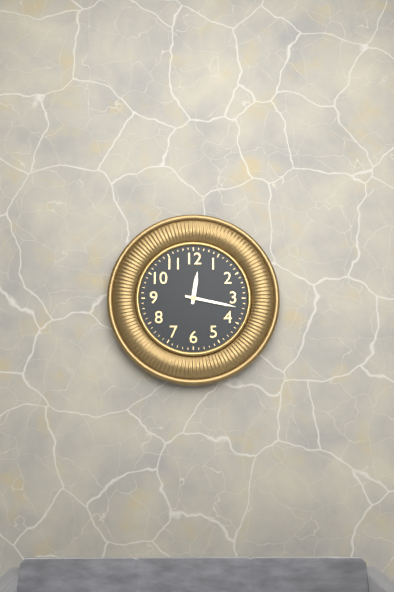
**12:17**
